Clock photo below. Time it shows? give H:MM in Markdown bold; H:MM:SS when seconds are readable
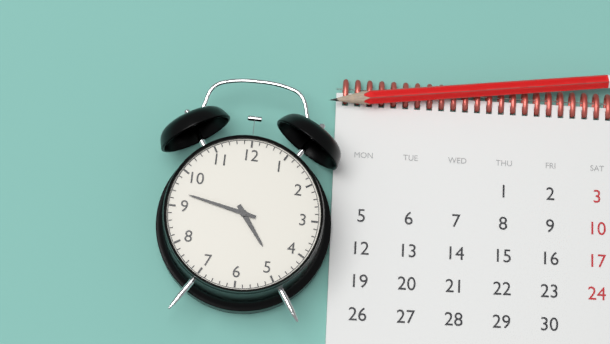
**4:47**
